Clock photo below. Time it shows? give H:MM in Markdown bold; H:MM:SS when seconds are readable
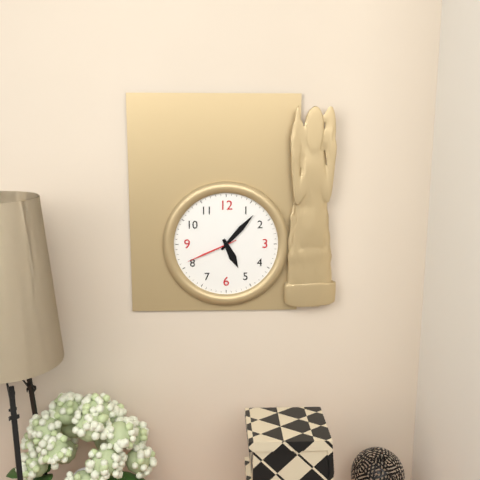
**5:07:41**
